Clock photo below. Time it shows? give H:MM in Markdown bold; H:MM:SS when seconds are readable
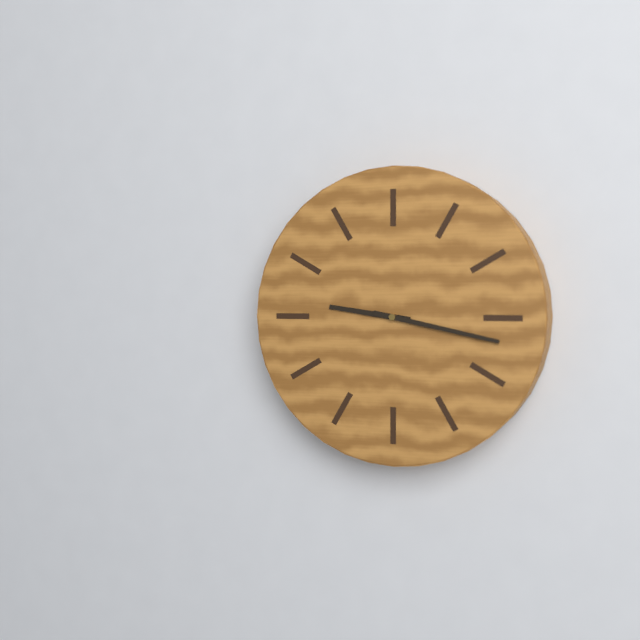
**9:17**
